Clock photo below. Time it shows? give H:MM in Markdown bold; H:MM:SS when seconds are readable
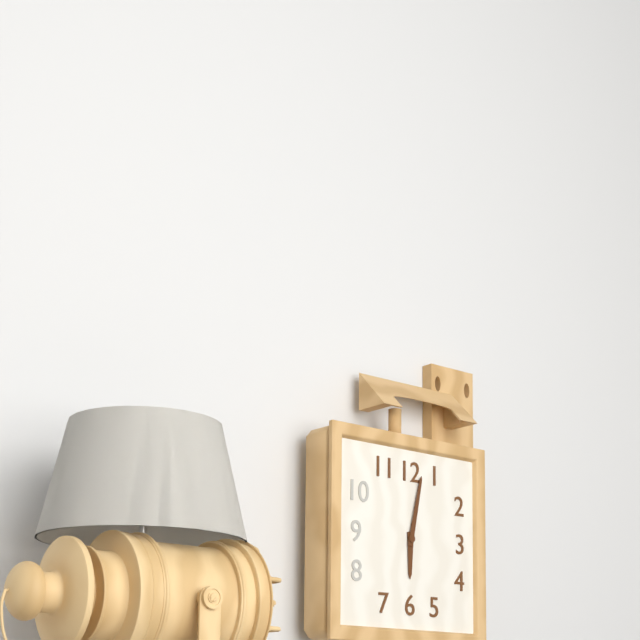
**6:02**
